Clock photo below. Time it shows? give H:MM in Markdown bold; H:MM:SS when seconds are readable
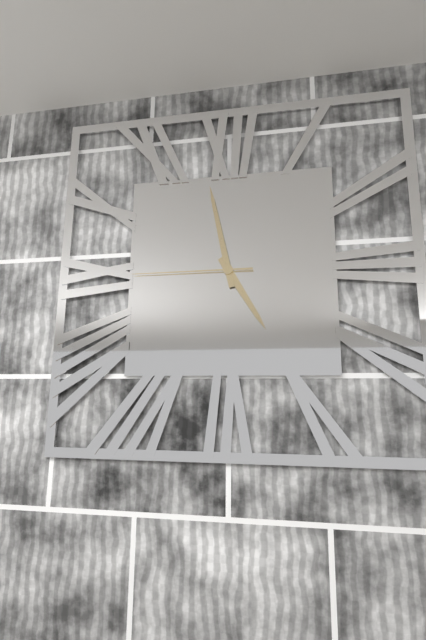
**4:58:45**
